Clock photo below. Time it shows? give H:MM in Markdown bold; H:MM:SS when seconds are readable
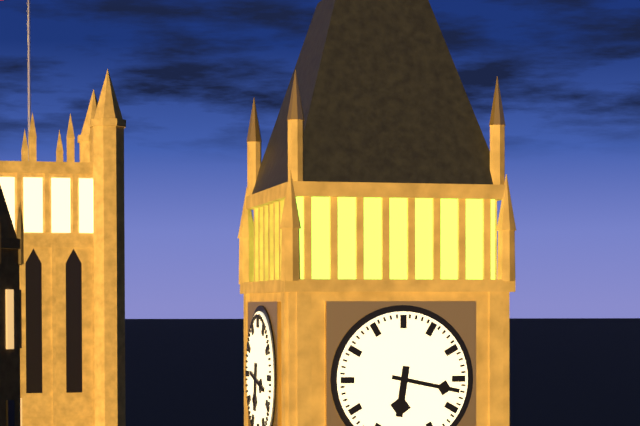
**6:17**
